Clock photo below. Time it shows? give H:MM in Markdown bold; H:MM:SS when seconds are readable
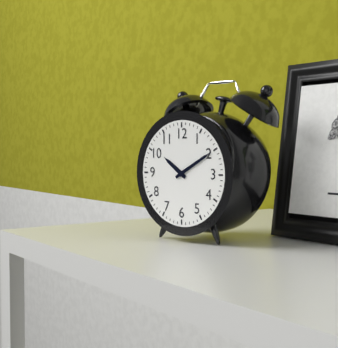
**10:10**
